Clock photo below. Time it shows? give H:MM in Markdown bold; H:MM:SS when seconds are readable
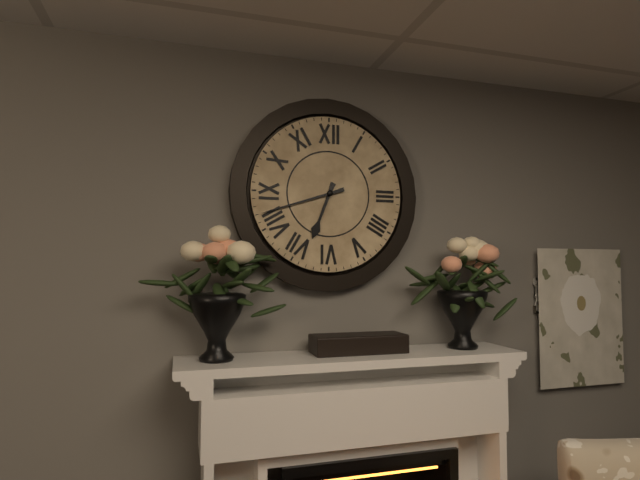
**6:42**
